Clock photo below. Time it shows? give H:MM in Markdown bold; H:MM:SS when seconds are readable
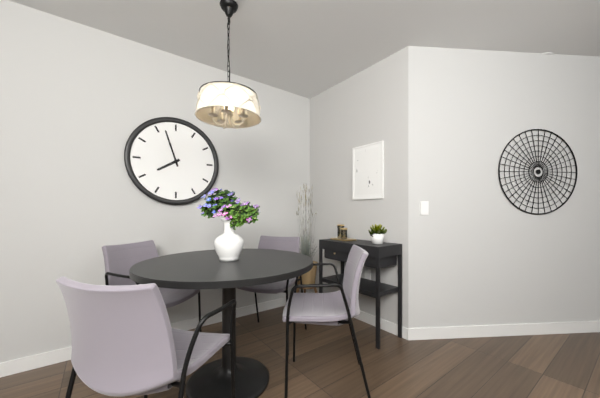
**7:57**
